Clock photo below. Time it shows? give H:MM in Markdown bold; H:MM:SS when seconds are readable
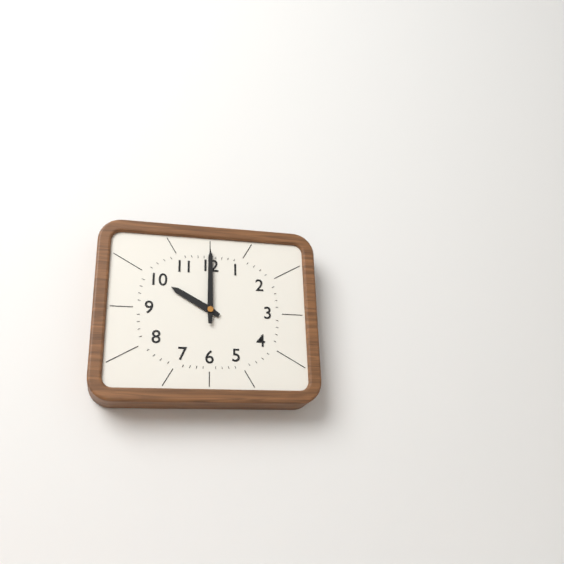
**10:00**
